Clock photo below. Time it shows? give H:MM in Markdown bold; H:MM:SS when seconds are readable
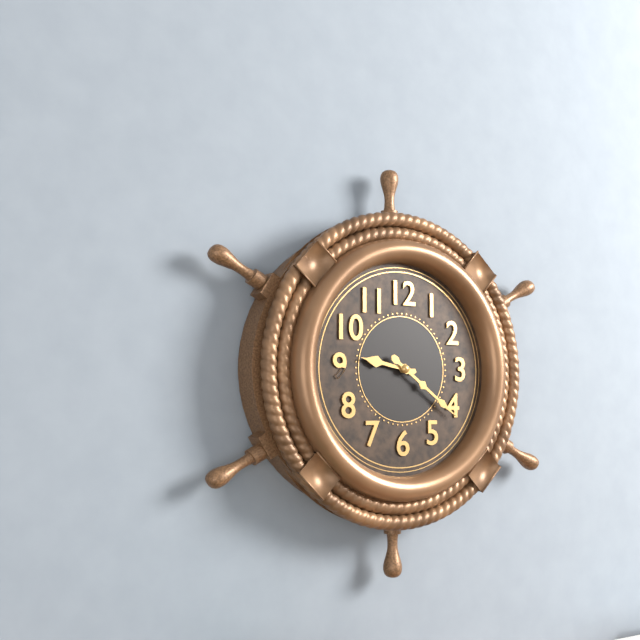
**9:21**
